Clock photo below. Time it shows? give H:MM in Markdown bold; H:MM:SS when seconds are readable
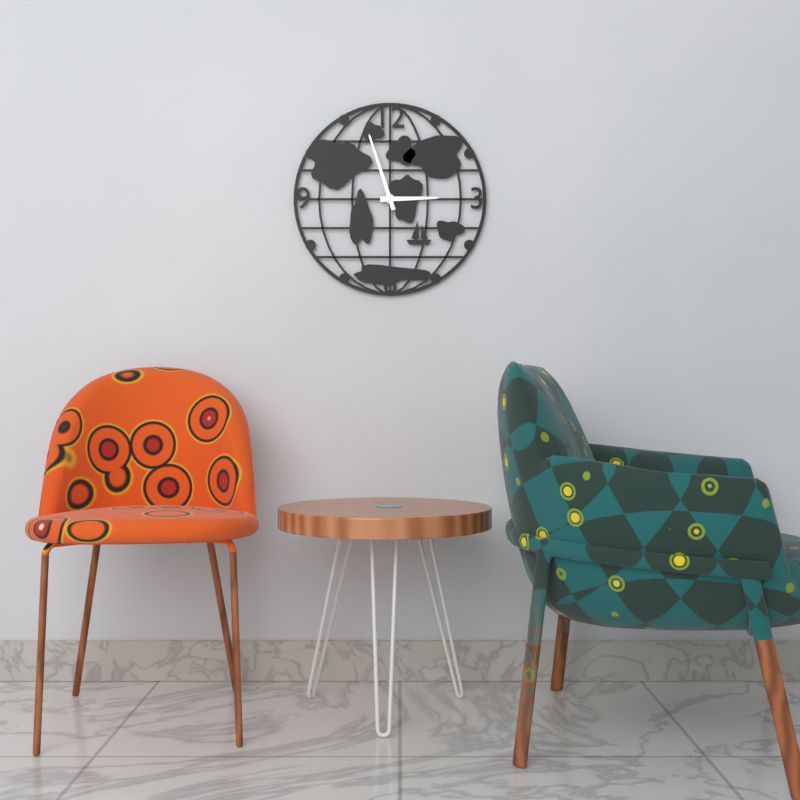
**2:57**
